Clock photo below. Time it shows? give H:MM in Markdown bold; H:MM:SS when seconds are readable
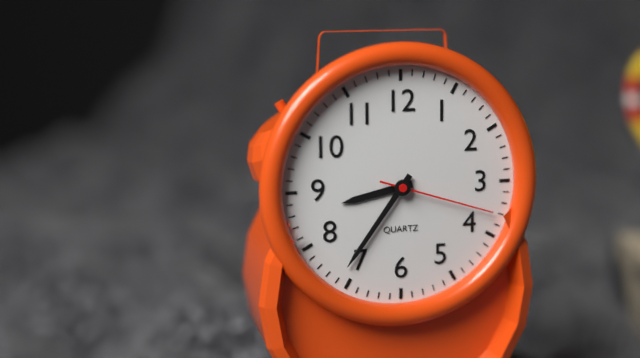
**8:36:18**
